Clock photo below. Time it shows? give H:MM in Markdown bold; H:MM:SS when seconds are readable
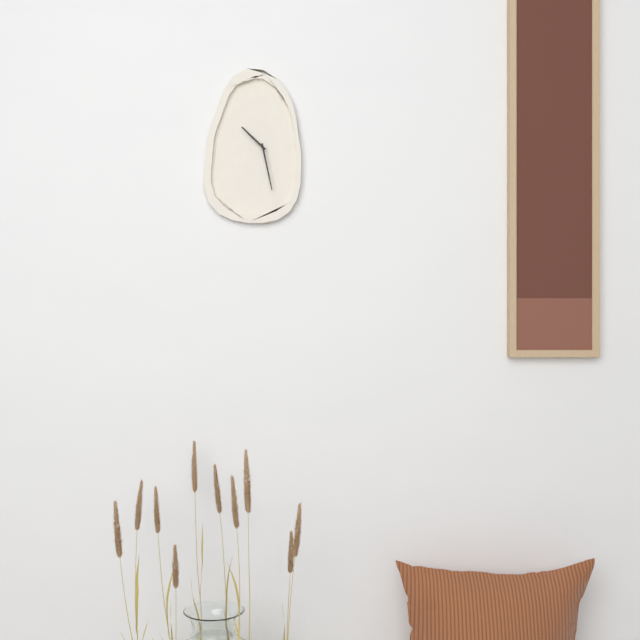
**10:28**
